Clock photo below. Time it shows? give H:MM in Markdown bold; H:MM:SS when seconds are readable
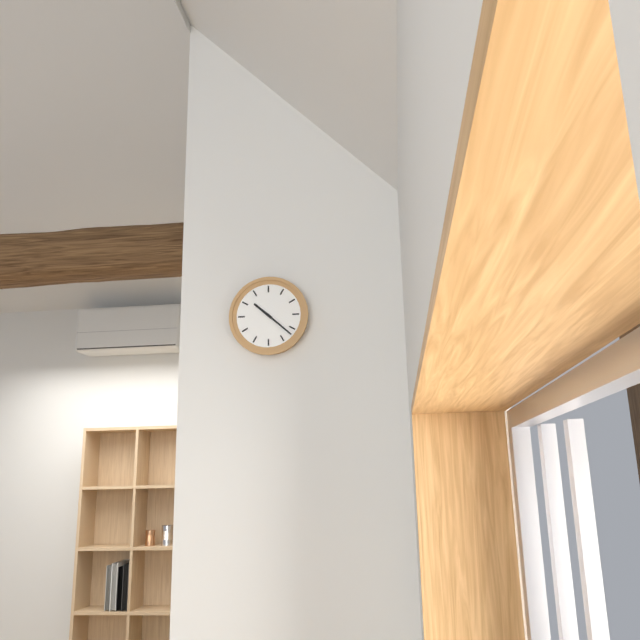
**10:22**
